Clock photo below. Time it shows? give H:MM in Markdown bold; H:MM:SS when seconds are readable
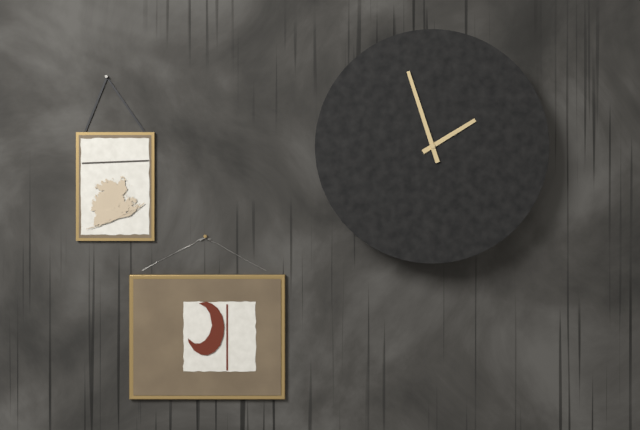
**1:57**
